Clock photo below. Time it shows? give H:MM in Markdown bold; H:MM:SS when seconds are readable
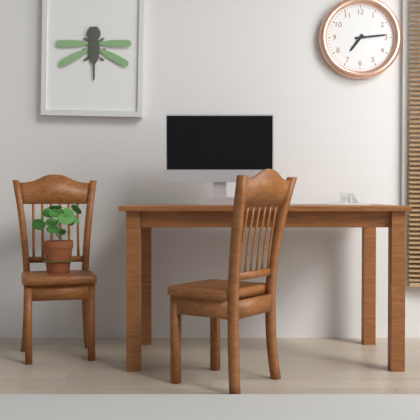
**7:14**
